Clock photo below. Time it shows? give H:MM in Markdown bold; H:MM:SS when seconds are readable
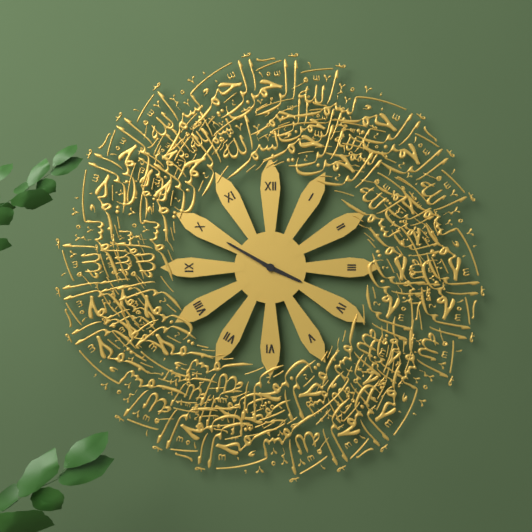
**3:50**
